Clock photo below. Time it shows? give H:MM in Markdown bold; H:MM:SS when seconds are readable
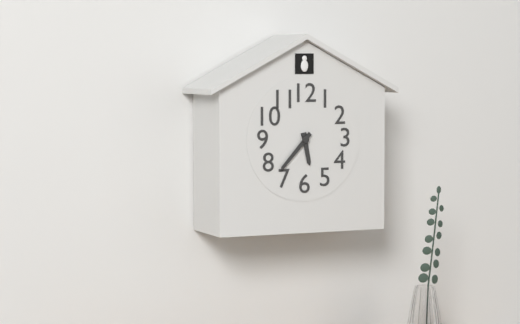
**5:37**
